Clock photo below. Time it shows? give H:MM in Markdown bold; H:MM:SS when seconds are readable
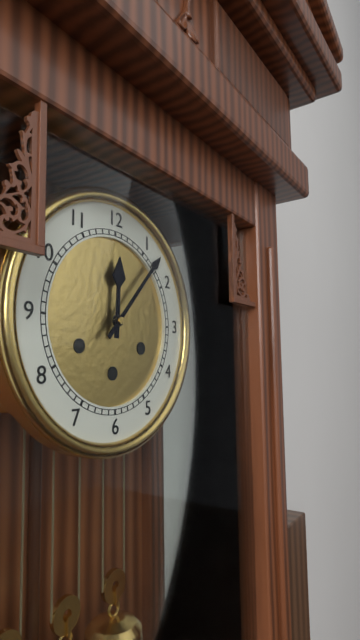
**12:07**
